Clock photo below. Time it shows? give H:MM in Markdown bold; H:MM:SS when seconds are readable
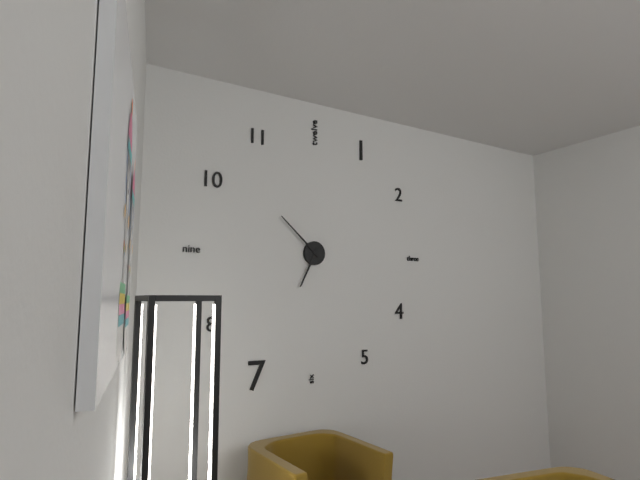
**6:52**
